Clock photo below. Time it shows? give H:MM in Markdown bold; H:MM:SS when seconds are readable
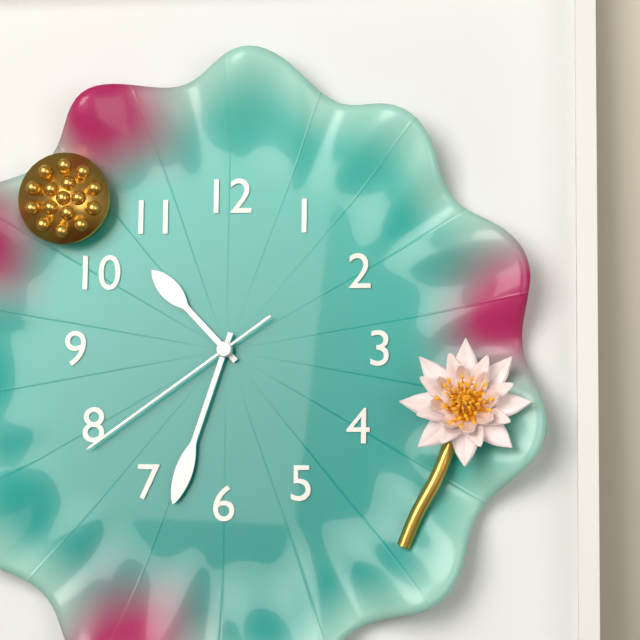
**10:33:39**
